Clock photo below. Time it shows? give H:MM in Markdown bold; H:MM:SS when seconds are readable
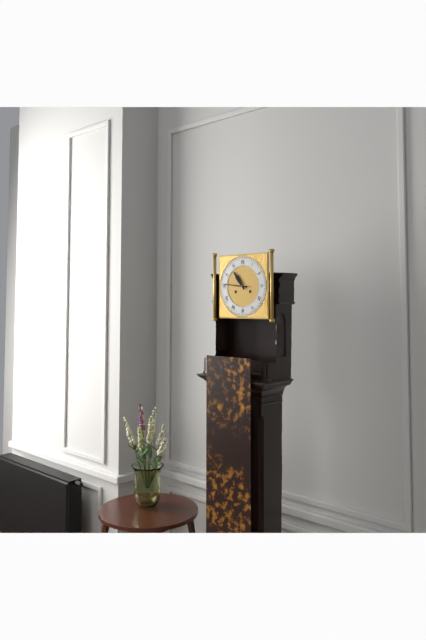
**10:46**
